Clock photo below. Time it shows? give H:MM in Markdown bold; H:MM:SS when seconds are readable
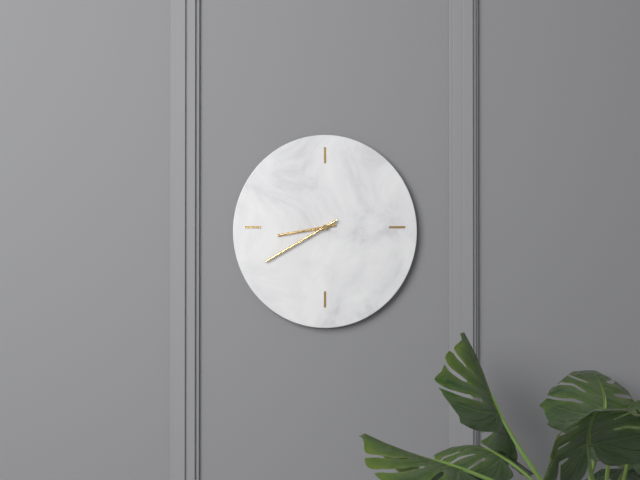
**8:40**
